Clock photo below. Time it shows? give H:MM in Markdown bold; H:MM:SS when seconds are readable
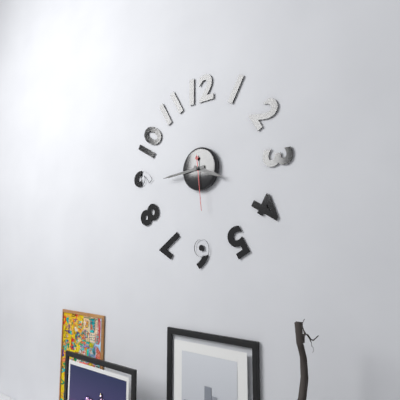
**3:44:29**
